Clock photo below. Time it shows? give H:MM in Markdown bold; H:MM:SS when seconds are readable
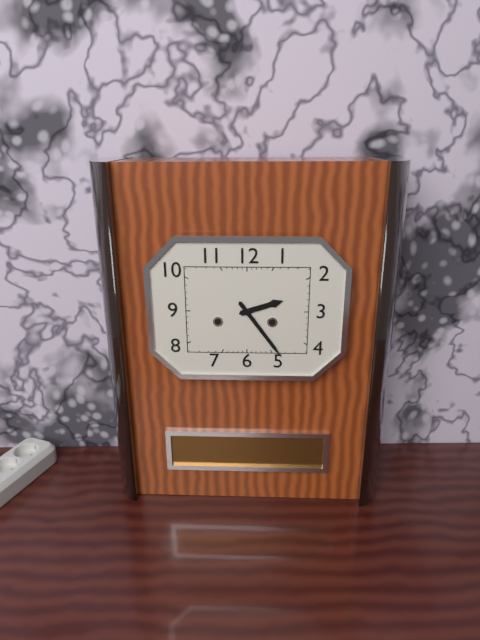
**2:24**
